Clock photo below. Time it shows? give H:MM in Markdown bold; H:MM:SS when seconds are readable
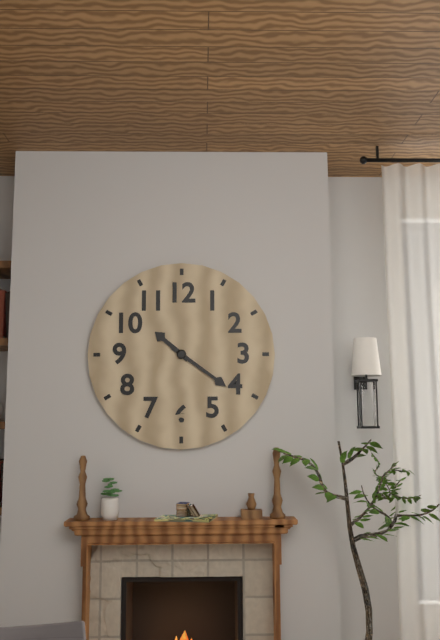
**10:21**
